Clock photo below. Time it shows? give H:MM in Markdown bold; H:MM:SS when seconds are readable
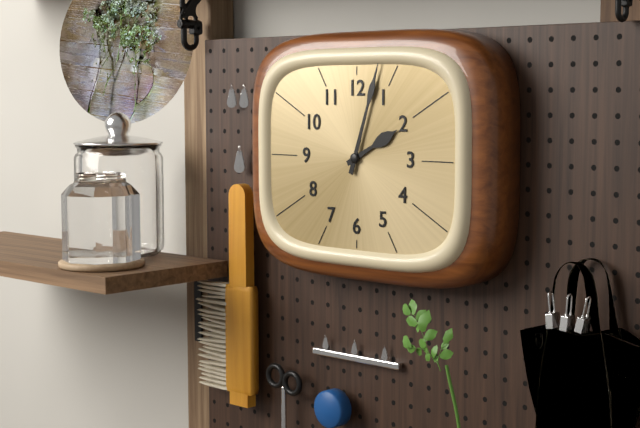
**2:03**
